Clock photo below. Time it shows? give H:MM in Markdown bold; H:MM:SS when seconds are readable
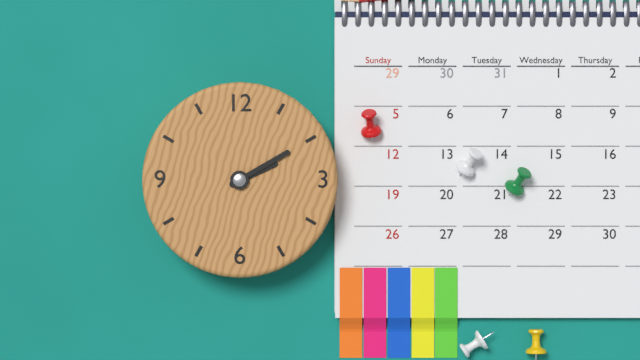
**2:10**
